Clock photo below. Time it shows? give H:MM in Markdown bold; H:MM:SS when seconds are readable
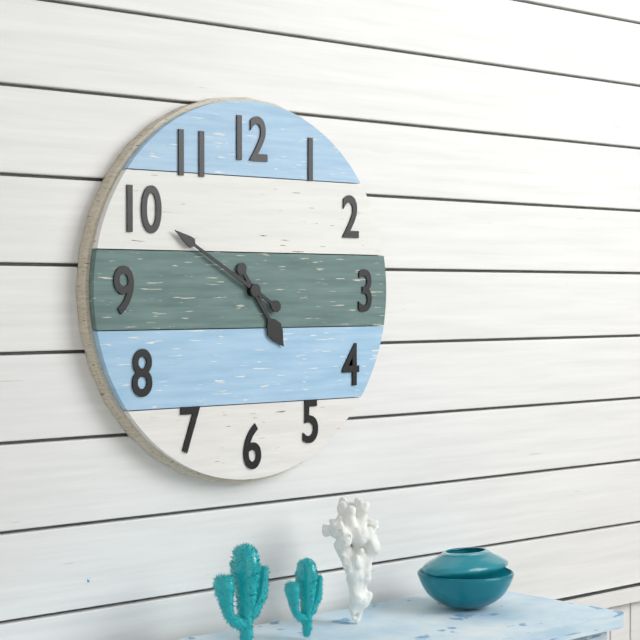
**4:50**
